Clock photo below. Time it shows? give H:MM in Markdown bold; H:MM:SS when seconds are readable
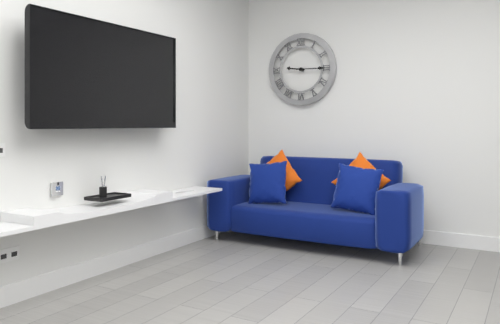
**9:15**
